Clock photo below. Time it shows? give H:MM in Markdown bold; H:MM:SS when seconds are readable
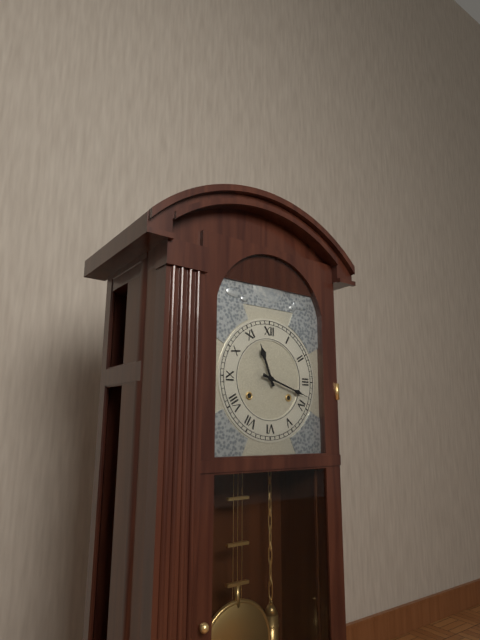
**11:18**
